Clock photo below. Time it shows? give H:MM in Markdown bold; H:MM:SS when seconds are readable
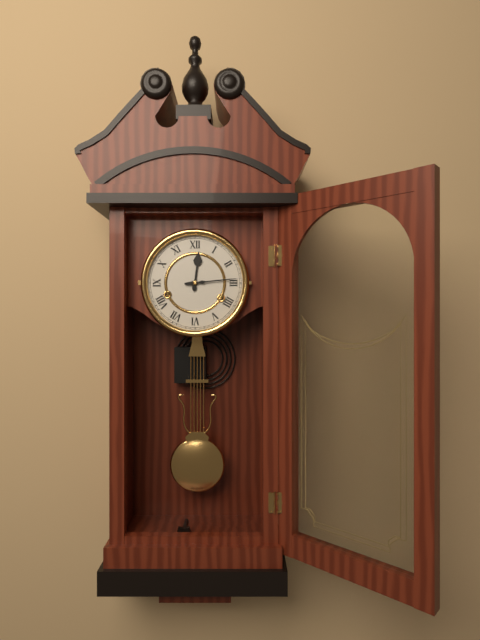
**12:14**
